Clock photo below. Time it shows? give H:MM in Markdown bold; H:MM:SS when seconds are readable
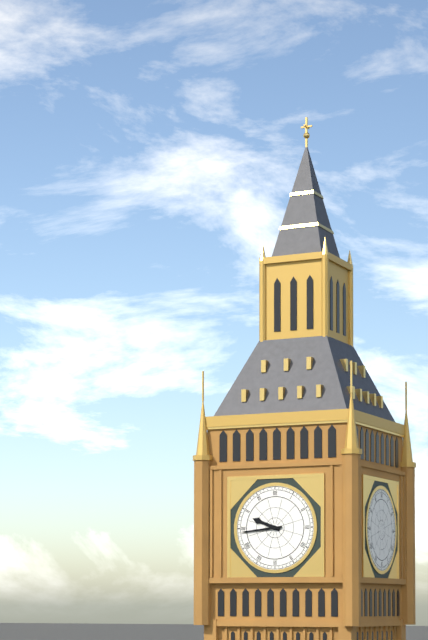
**9:44**
